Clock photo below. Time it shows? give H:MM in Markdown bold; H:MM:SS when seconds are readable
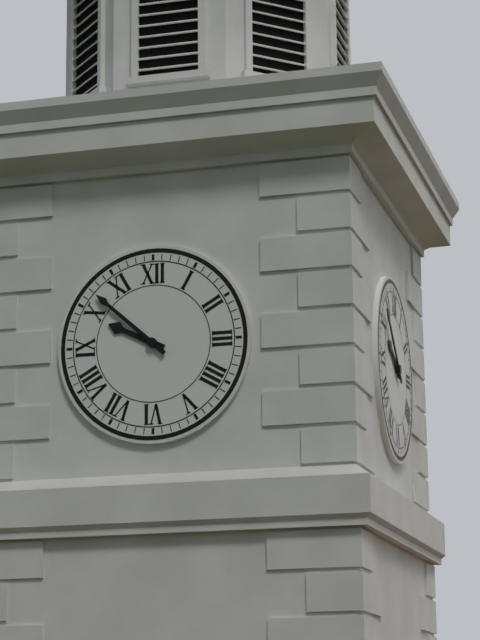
**9:52**
